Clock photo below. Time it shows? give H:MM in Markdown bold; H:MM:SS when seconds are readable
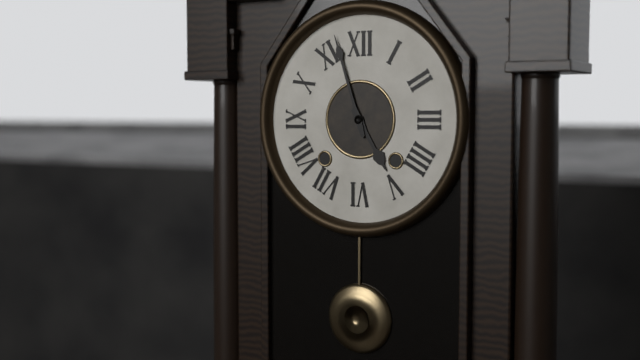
**4:57**
